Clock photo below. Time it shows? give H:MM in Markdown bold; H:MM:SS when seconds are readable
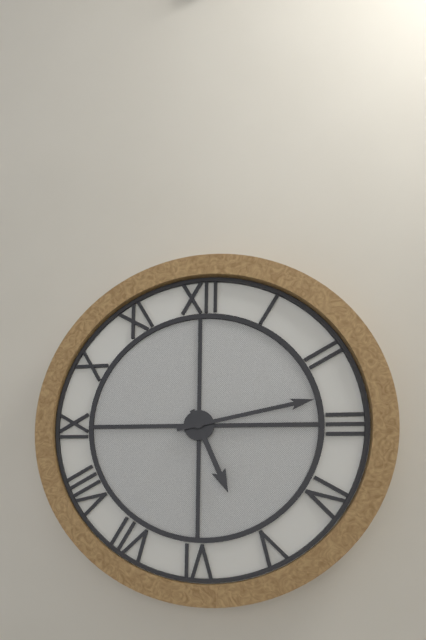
**5:13**
